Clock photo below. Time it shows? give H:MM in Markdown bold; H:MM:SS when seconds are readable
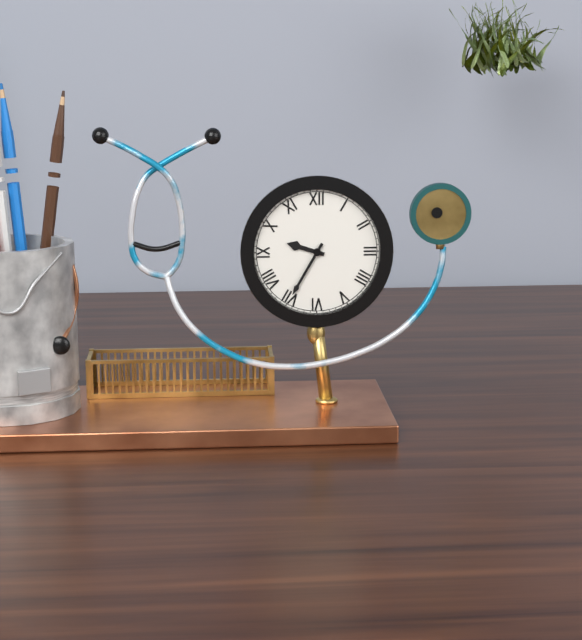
**9:35**
